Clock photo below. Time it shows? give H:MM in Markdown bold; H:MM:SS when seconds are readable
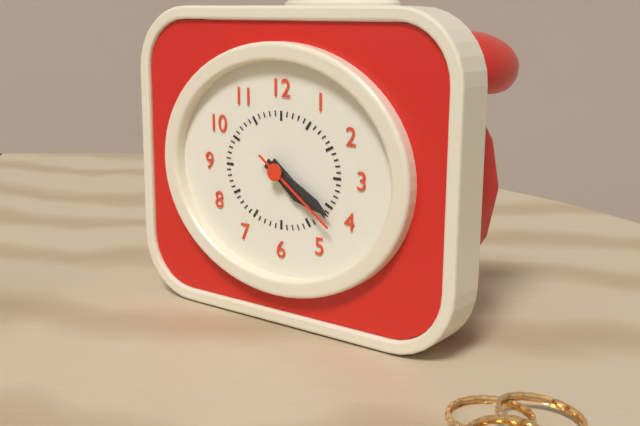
**4:20:21**
